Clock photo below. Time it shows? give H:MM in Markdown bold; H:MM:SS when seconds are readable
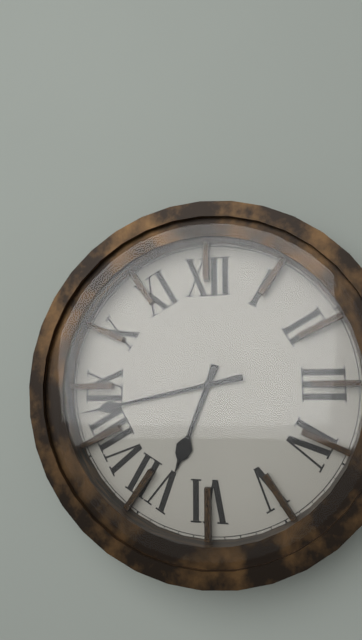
**6:43**
